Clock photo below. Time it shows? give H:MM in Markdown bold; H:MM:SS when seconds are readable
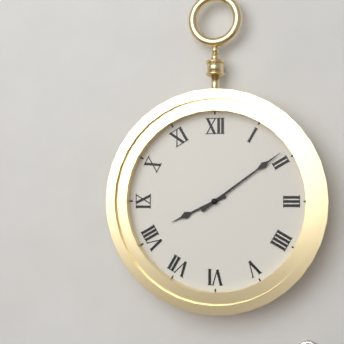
**8:09**
